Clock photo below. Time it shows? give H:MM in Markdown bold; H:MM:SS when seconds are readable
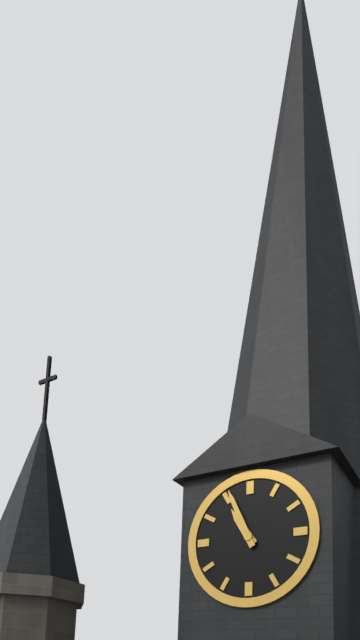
**10:56**
